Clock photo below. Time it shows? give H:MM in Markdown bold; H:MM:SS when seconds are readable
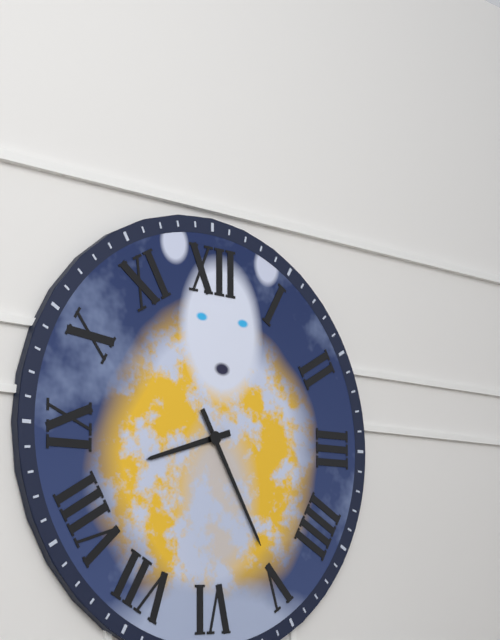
**8:25**
